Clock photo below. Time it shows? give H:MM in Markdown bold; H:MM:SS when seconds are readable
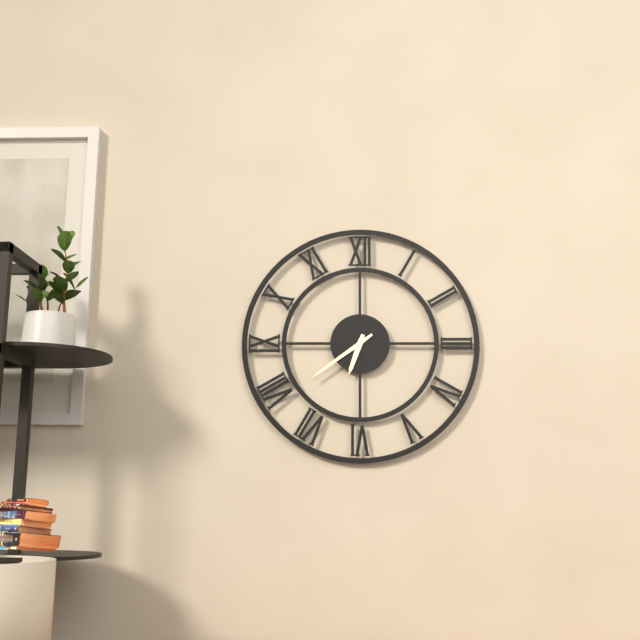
**6:39**
